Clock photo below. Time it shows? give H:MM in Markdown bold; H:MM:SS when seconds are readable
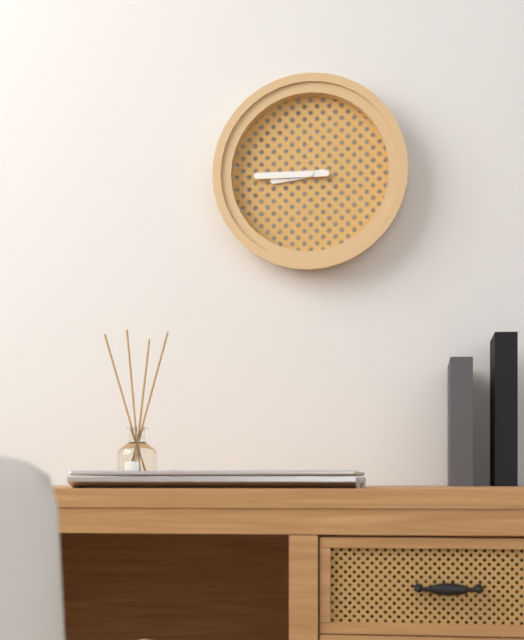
**8:45**
